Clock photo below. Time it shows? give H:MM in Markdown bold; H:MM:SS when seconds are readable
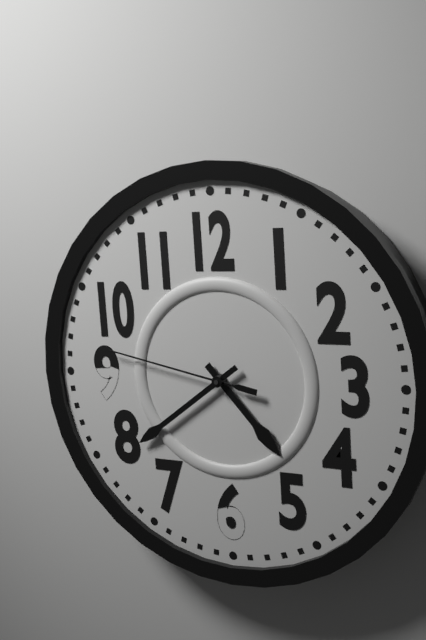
**4:39:47**
